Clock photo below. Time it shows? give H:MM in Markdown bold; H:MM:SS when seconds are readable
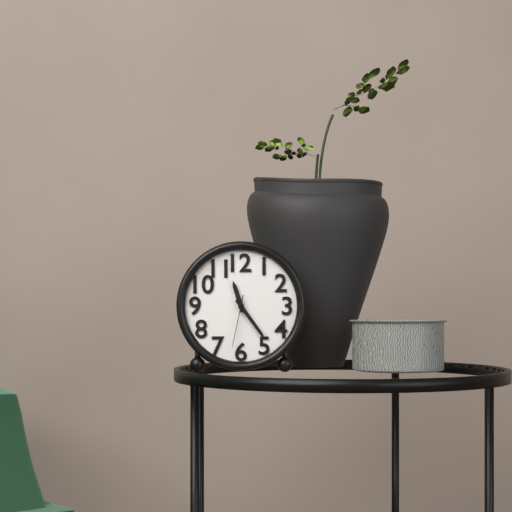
**11:24:32**
